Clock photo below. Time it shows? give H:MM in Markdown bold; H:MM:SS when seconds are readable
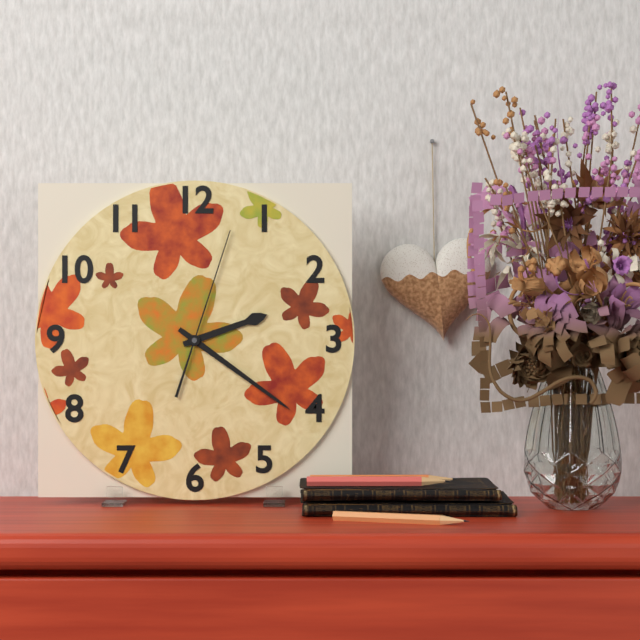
**2:21:03**
